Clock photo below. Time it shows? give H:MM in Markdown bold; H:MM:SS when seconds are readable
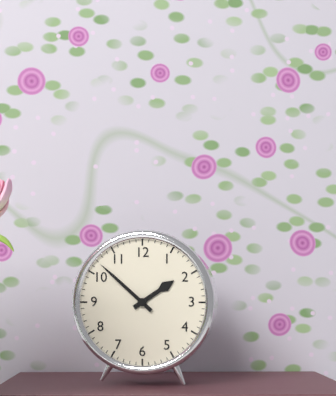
**1:52**
